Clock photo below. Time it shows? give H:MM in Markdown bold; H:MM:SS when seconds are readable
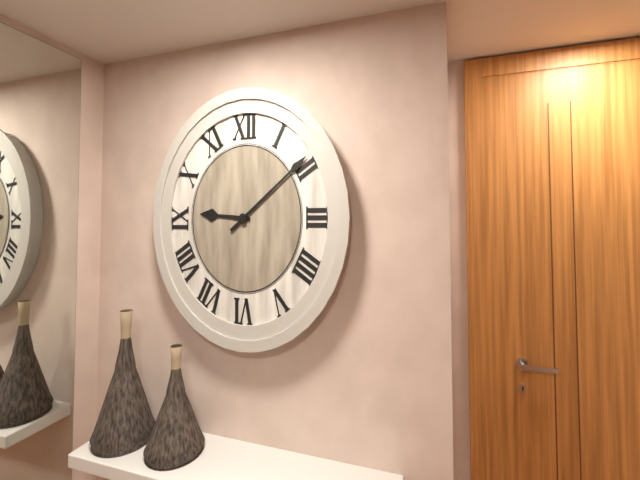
**9:09**
